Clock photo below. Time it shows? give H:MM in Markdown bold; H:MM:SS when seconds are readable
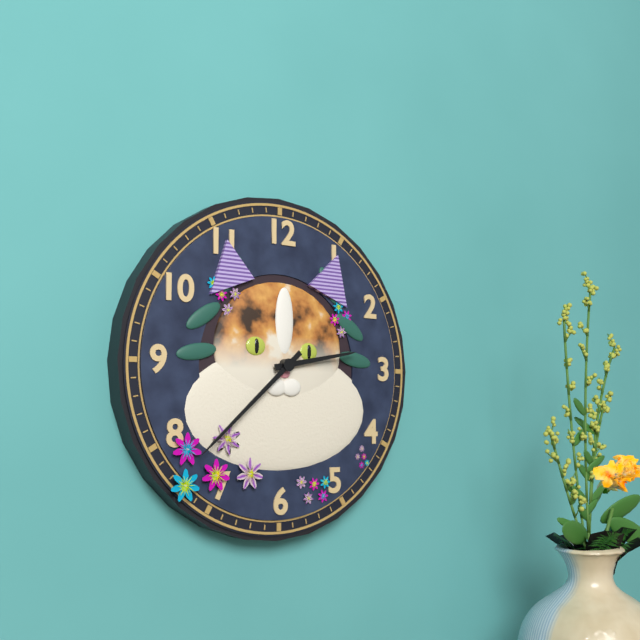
**2:38**
